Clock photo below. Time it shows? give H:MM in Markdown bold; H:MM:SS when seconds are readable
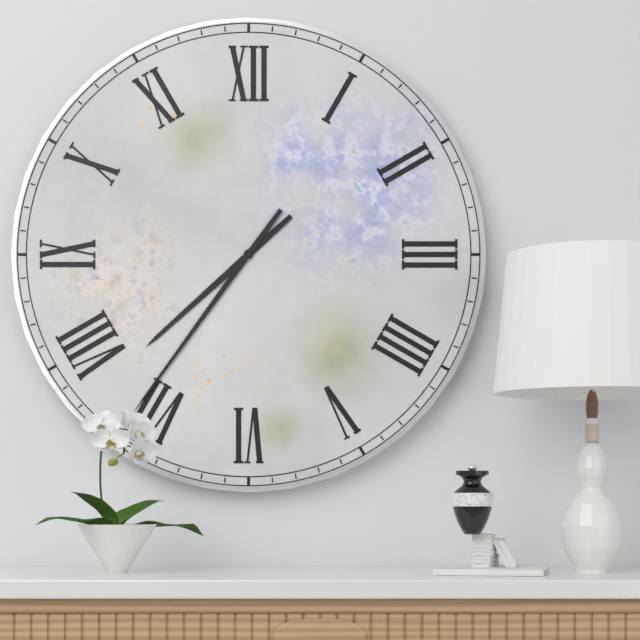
**7:36**
